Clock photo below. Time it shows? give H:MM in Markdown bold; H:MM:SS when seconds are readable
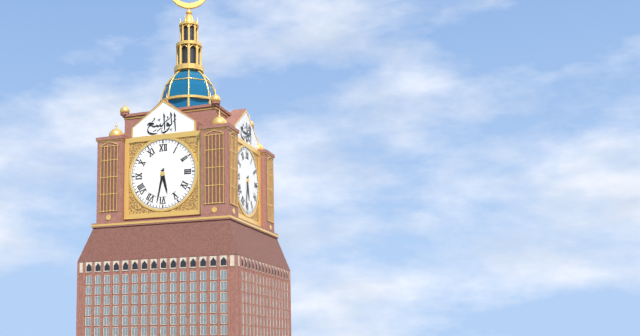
**5:32**
